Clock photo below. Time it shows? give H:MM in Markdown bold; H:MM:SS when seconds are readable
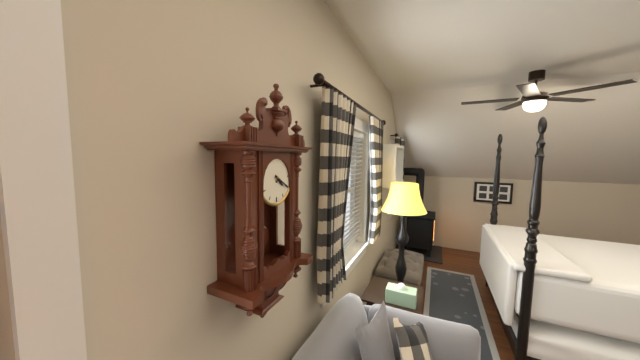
**4:20**
